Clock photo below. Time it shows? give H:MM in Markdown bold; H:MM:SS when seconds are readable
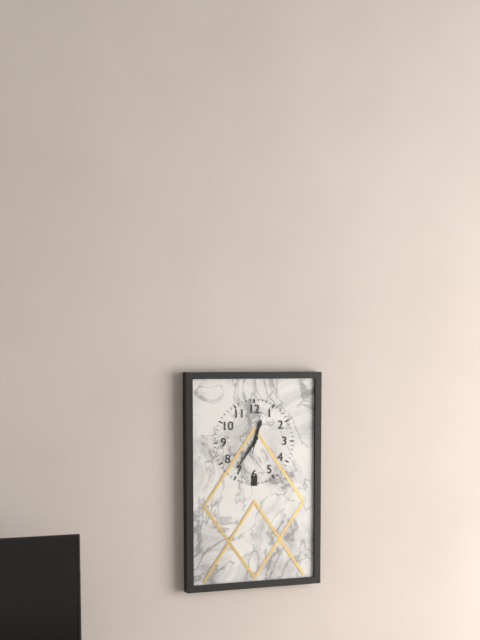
**12:36**
